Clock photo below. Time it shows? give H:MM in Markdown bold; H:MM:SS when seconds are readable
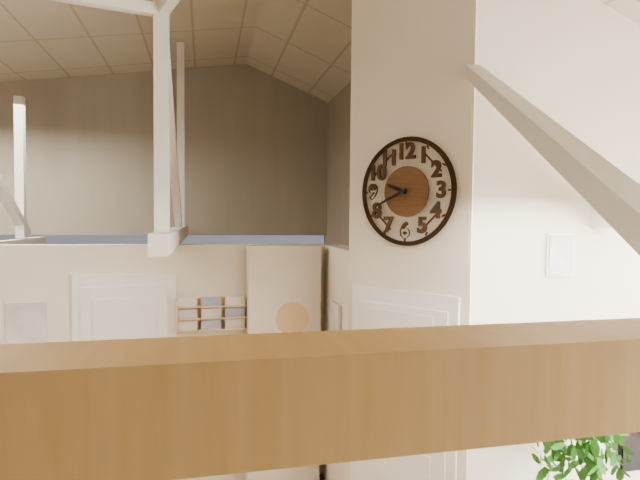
**9:41**
